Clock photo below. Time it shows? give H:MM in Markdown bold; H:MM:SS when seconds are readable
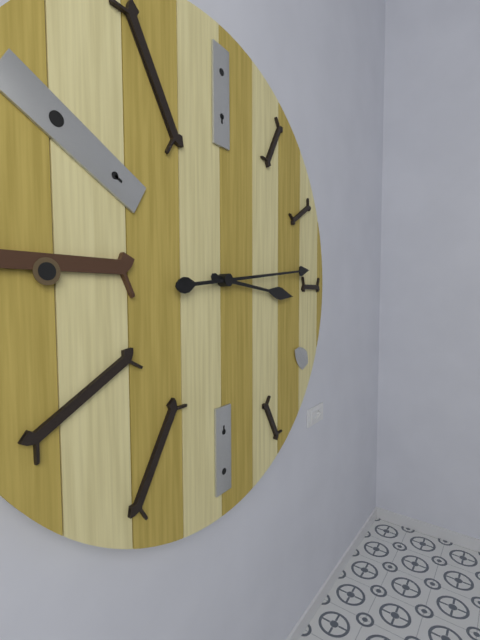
**3:14**
